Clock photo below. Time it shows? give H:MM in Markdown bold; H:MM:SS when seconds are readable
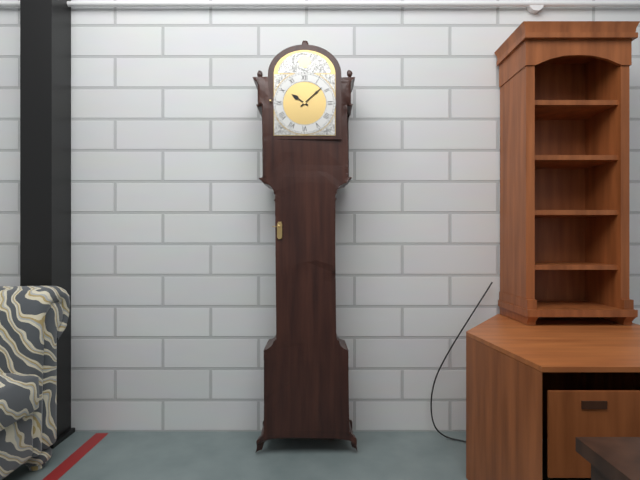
**10:08**
